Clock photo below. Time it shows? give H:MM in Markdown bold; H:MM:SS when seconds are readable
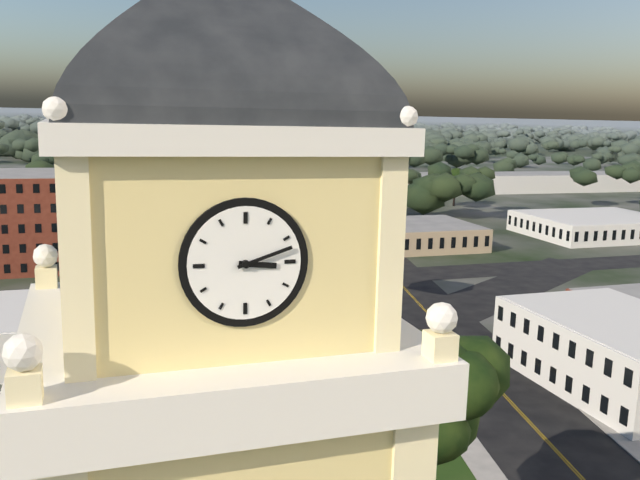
**3:12**
